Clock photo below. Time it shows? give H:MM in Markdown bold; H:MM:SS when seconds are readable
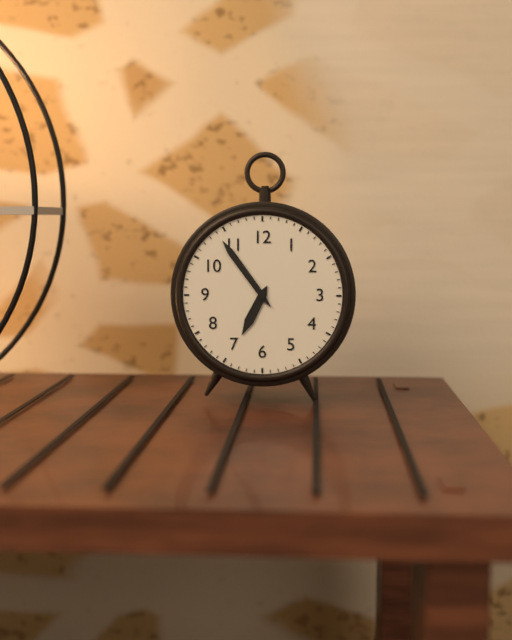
**6:54**
